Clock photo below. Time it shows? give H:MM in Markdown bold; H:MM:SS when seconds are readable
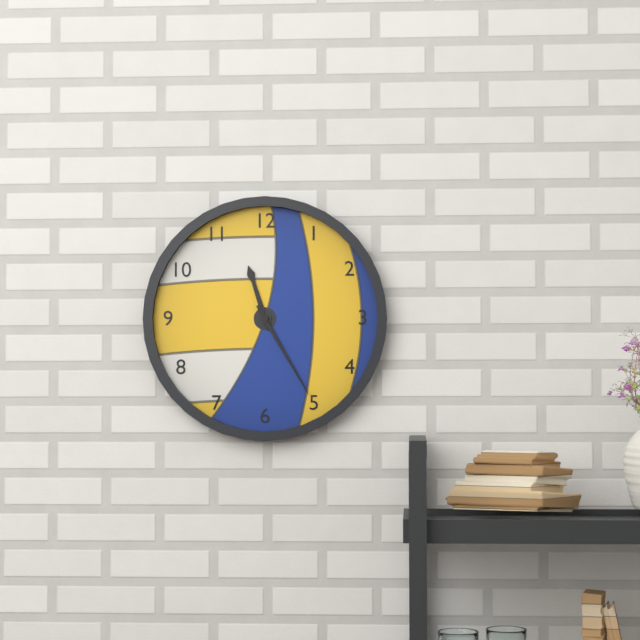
**11:25**
